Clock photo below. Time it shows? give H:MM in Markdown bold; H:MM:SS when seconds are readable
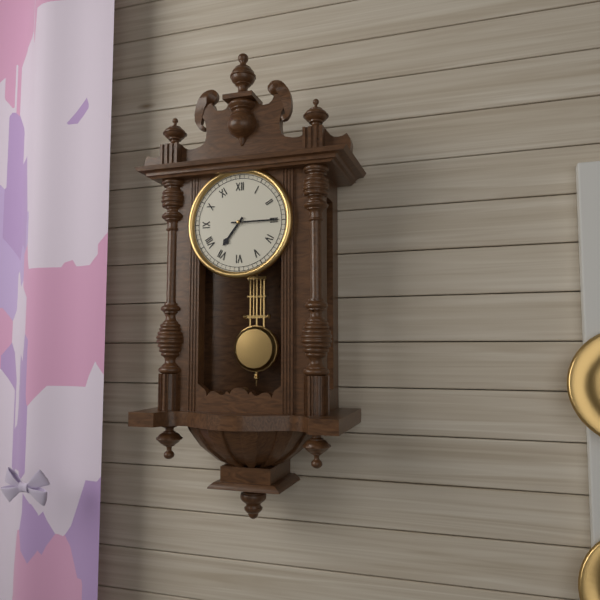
**7:15**
